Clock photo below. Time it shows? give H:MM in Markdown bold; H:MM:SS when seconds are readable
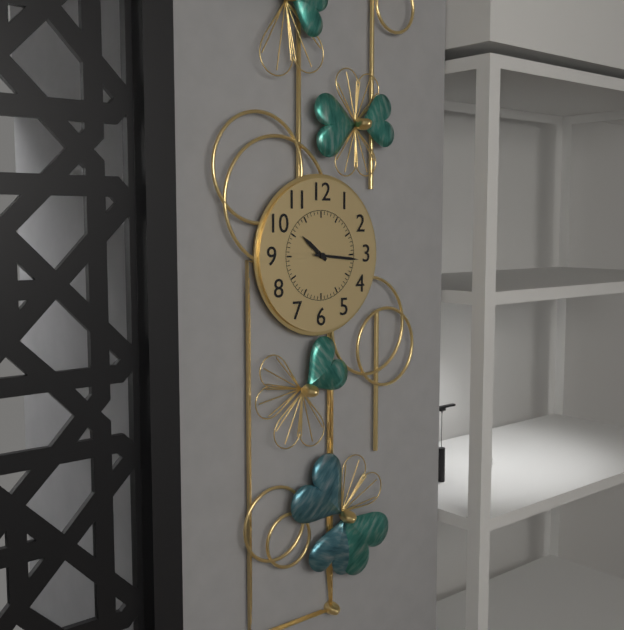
**10:16**
